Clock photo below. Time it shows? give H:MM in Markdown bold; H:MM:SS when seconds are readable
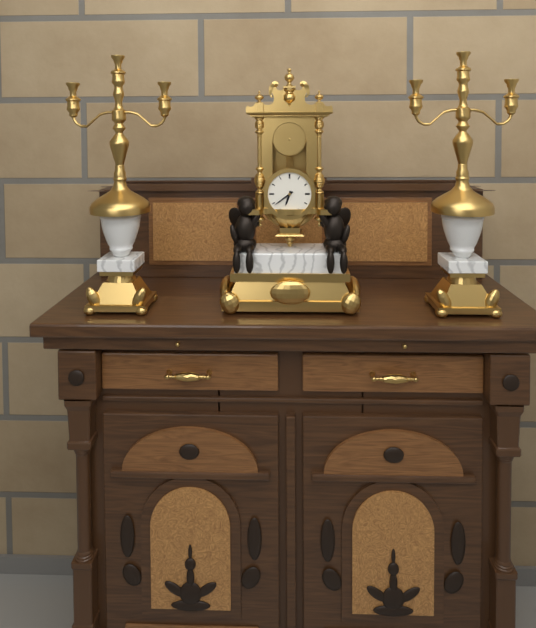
**6:39**
